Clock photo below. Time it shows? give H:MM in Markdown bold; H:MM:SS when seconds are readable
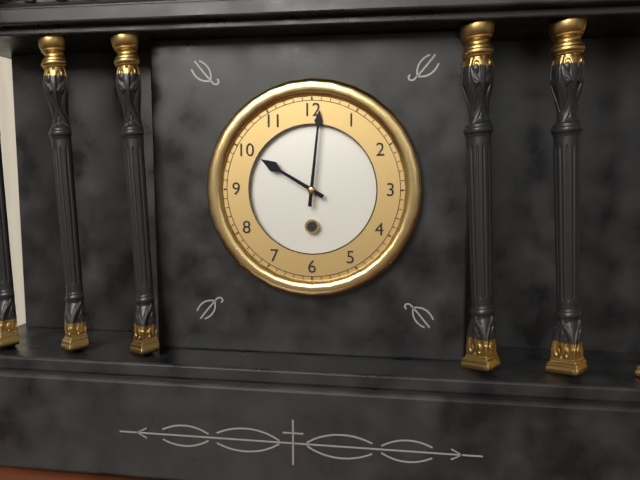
**10:01**
